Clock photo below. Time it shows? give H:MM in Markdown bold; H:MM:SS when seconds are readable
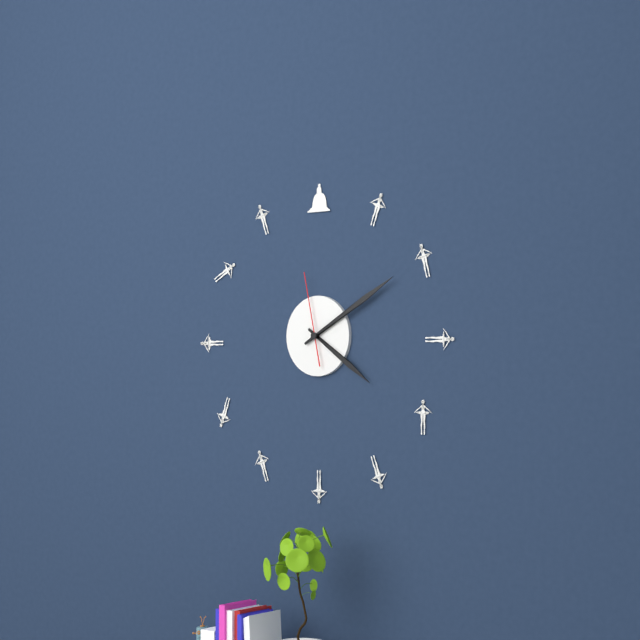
**4:10:58**
